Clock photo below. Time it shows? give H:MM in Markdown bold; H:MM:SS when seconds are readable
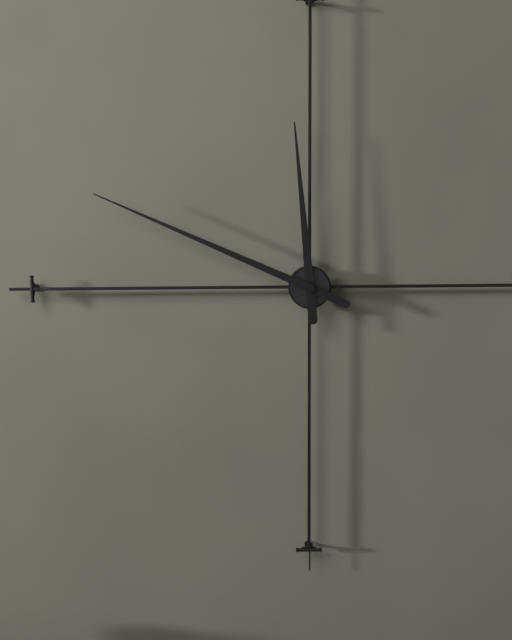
**11:49**
